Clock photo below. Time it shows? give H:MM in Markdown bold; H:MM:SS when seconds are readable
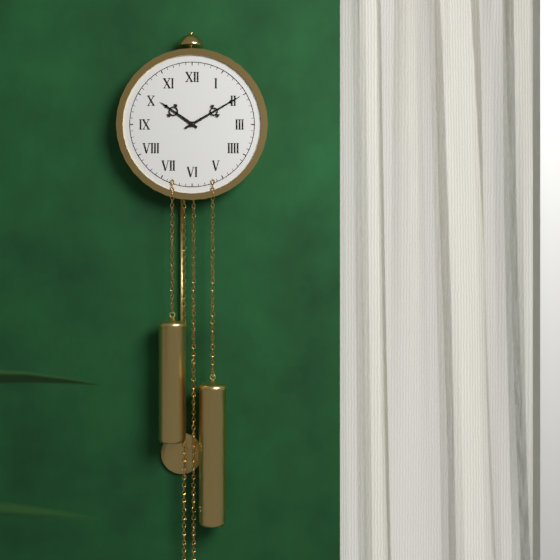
**10:10**
